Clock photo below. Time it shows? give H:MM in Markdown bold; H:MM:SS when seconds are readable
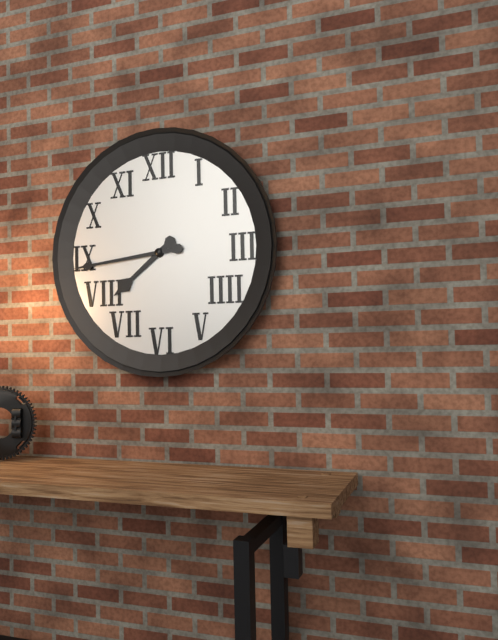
**7:44**
